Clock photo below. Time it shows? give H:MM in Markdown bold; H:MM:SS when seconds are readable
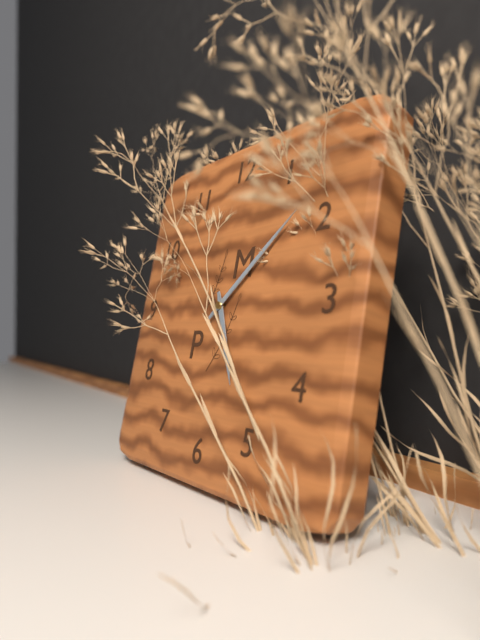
**5:08**
